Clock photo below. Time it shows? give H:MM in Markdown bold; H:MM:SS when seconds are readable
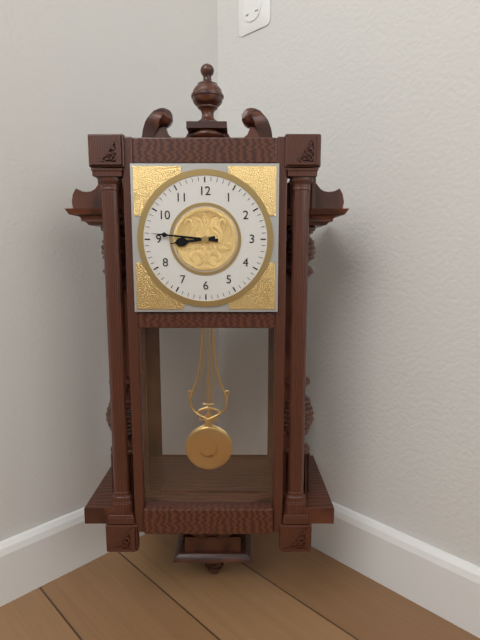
**8:46**
